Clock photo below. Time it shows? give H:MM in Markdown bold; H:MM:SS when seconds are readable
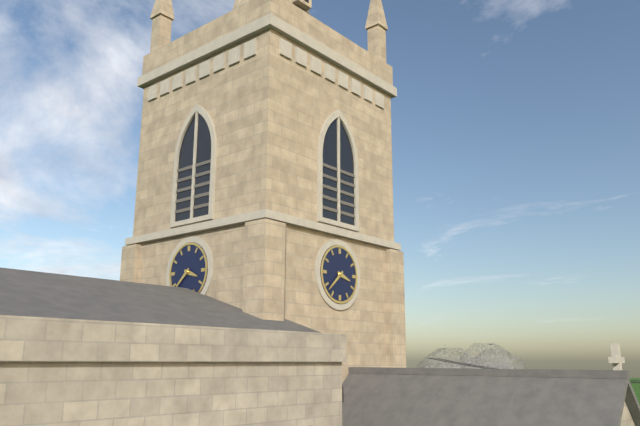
**3:38**
